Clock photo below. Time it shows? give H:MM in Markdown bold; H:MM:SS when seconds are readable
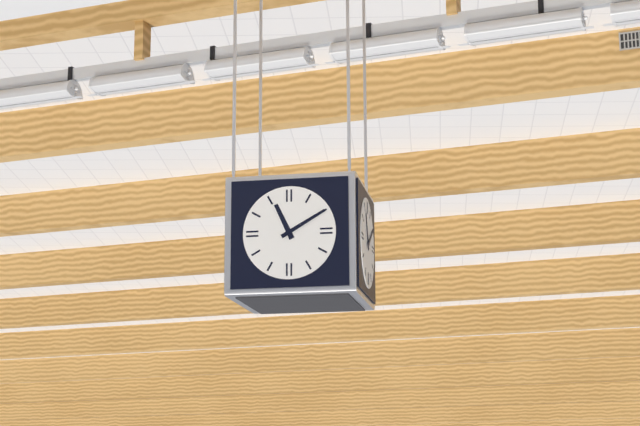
**11:10**
